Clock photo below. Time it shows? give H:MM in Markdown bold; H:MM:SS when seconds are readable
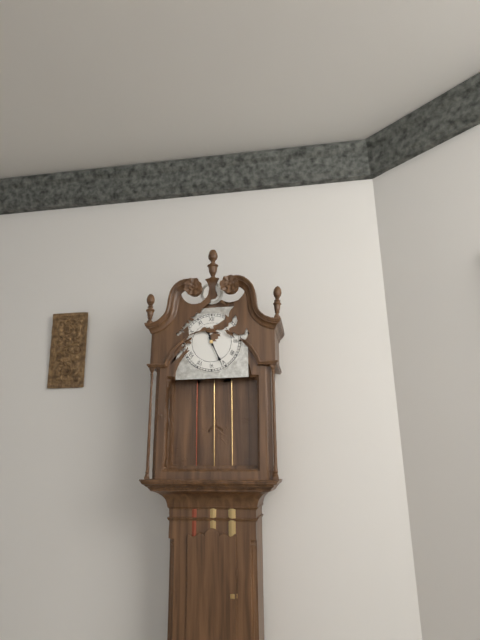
**11:26**
